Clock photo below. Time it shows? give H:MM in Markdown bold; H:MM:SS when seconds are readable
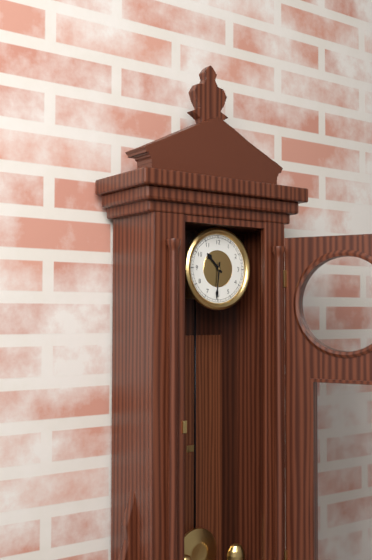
**10:31**
